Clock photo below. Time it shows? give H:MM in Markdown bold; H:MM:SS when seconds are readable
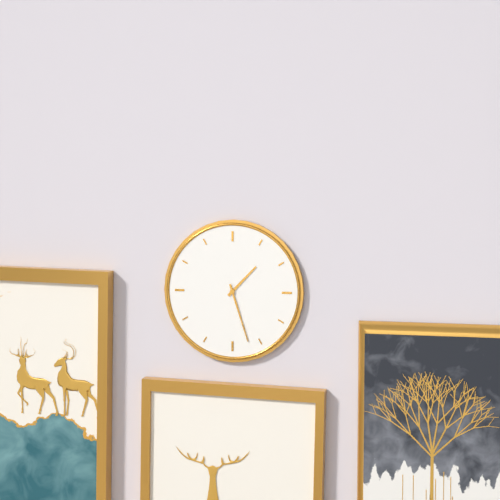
**1:27**
